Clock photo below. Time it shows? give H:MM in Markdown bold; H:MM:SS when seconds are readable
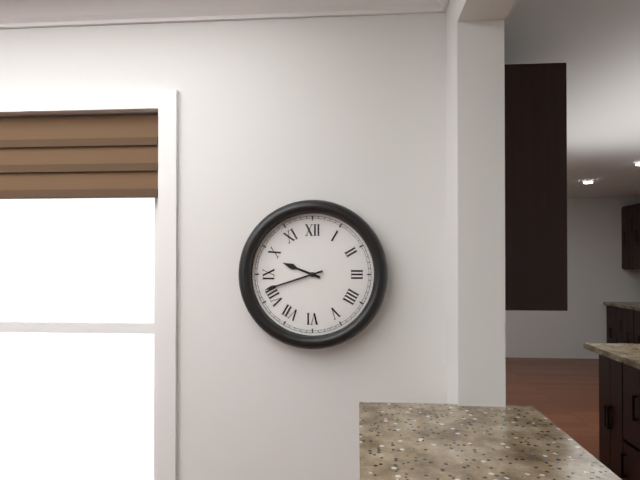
**9:42**
